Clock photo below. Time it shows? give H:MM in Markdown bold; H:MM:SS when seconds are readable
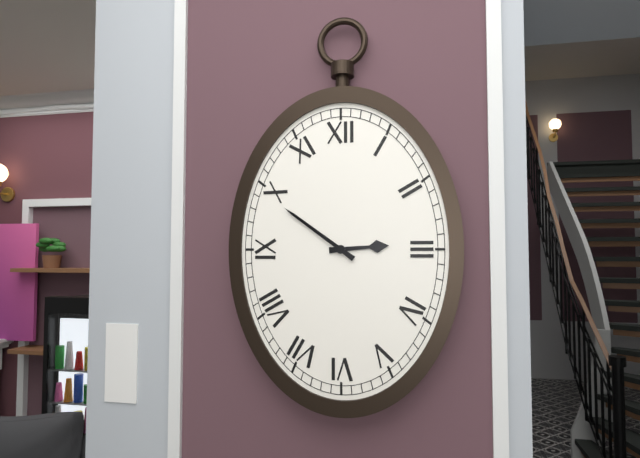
**2:51**
